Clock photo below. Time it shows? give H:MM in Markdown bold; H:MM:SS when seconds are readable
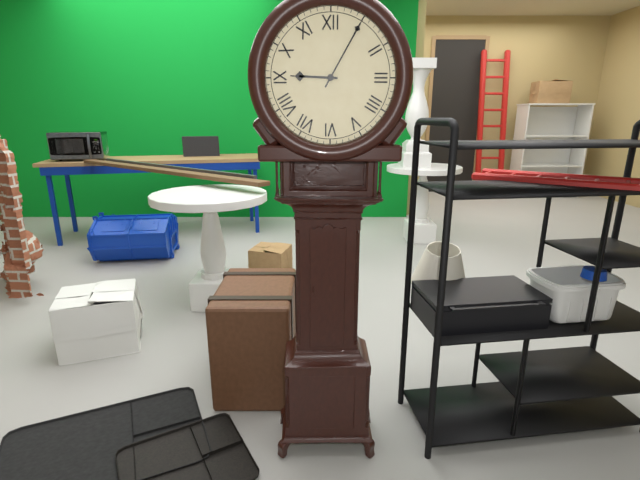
**9:05**
